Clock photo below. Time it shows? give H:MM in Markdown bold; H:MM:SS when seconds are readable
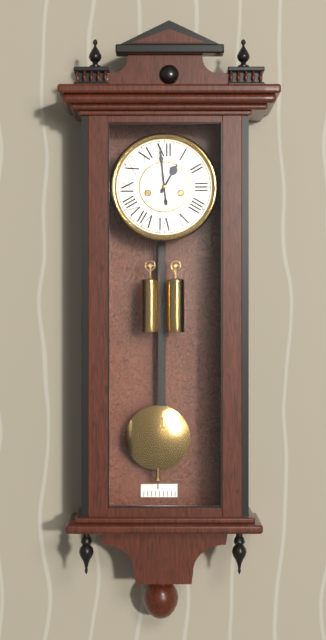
**12:59**
